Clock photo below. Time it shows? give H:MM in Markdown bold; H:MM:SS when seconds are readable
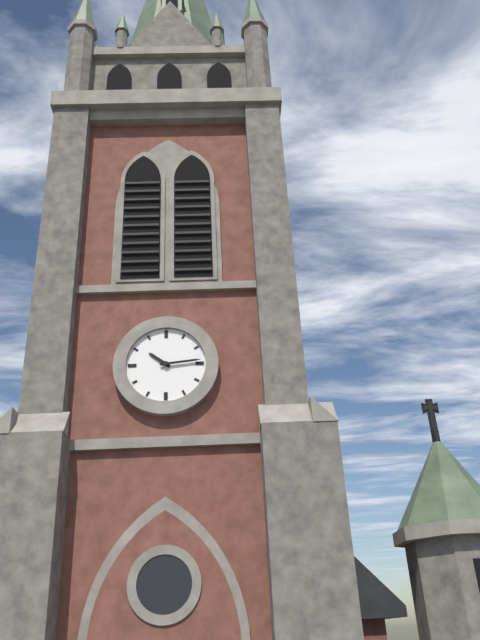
**10:14**
